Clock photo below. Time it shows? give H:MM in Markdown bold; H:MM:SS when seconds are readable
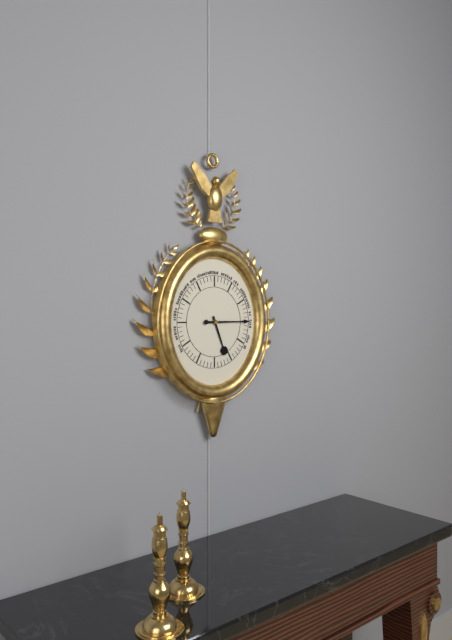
**5:15**
